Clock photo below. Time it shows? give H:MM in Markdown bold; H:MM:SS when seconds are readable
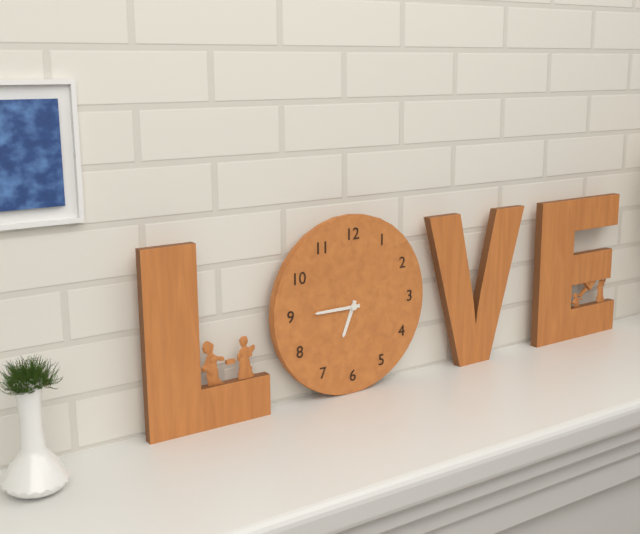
**6:45**
